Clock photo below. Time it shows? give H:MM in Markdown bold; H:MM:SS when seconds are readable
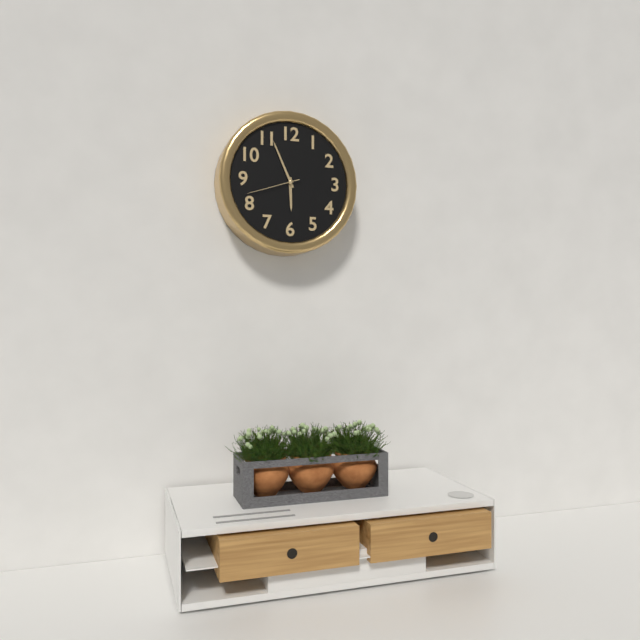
**5:56:42**
